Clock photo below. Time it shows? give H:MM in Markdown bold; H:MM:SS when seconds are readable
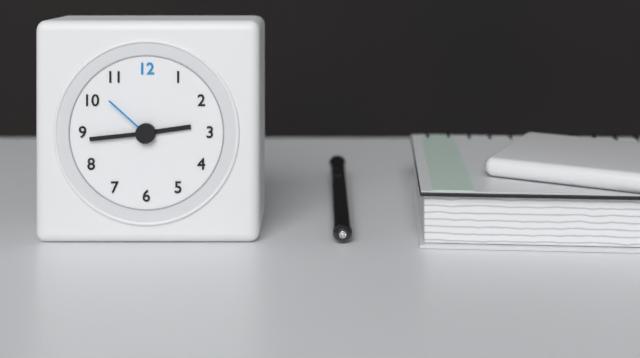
**2:44:52**
